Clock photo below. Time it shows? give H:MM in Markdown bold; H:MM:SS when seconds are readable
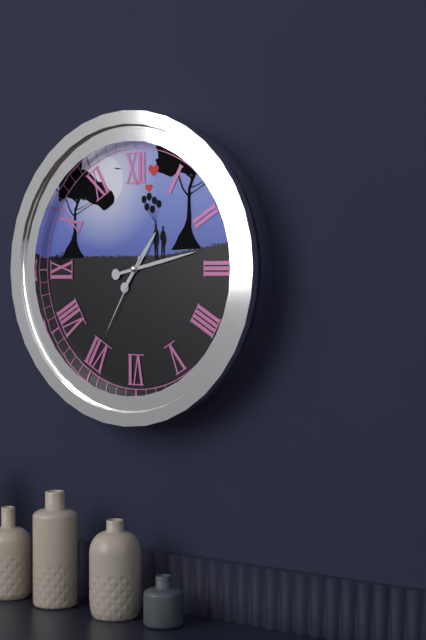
**1:13:35**
